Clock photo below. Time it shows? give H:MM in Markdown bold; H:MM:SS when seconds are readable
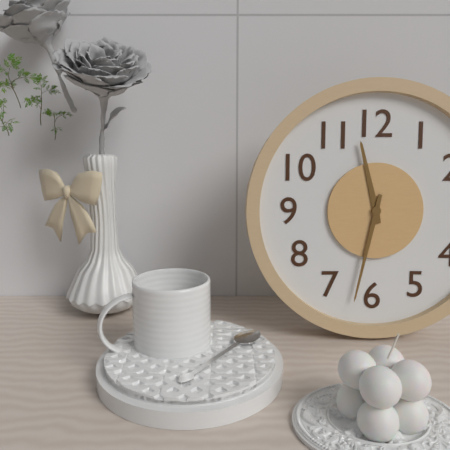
**11:32**
